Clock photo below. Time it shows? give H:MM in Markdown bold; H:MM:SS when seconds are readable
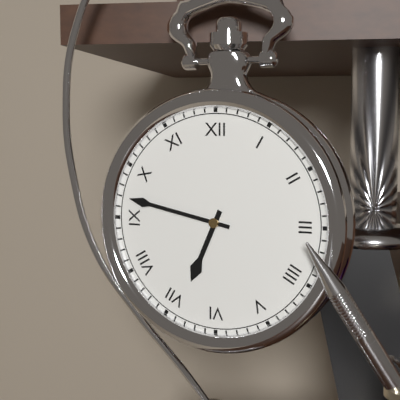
**6:47**
